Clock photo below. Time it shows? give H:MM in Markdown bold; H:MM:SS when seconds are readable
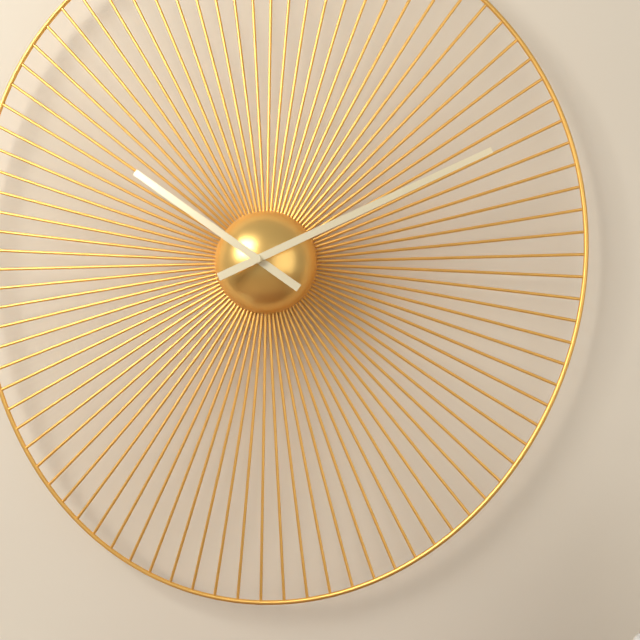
**10:11**
